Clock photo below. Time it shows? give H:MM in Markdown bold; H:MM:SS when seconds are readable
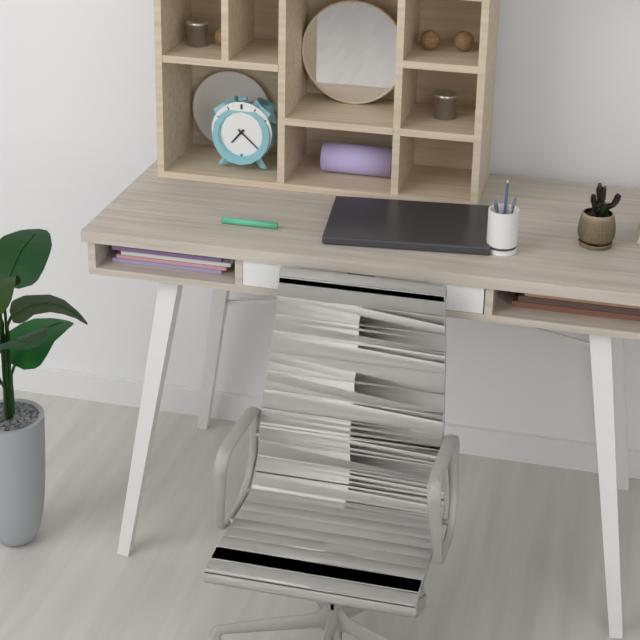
**7:22**
